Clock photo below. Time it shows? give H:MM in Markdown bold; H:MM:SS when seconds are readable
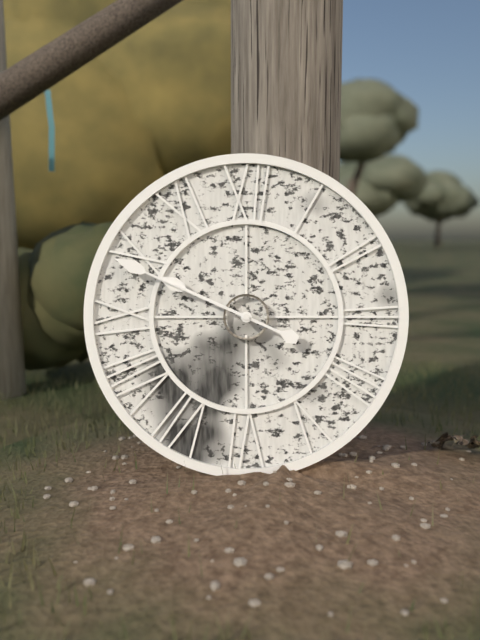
**9:49**
